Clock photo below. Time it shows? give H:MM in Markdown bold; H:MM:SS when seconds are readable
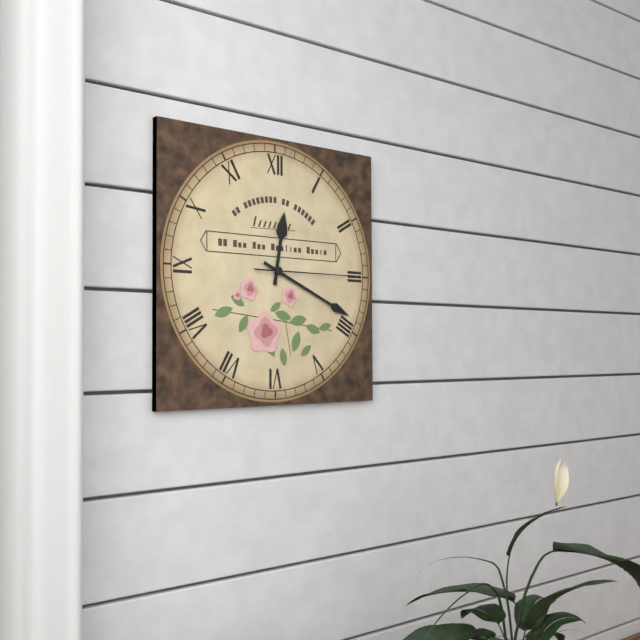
**12:19:15**
